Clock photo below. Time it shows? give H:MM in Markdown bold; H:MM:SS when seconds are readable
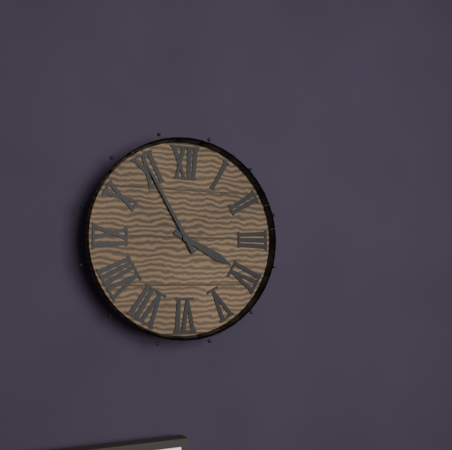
**3:55**
